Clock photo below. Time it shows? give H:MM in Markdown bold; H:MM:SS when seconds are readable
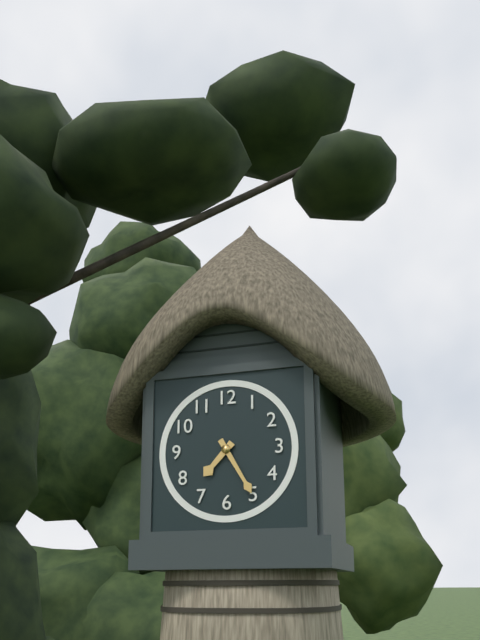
**7:25**
